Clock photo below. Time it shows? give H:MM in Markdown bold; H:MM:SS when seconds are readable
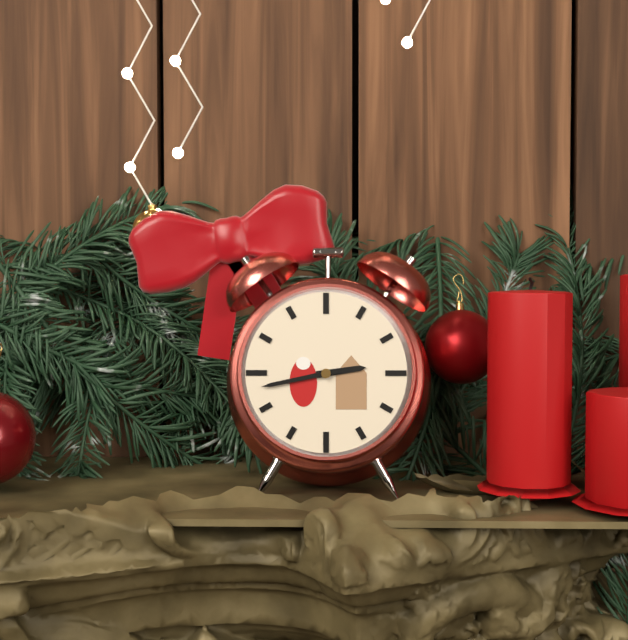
**2:43**
